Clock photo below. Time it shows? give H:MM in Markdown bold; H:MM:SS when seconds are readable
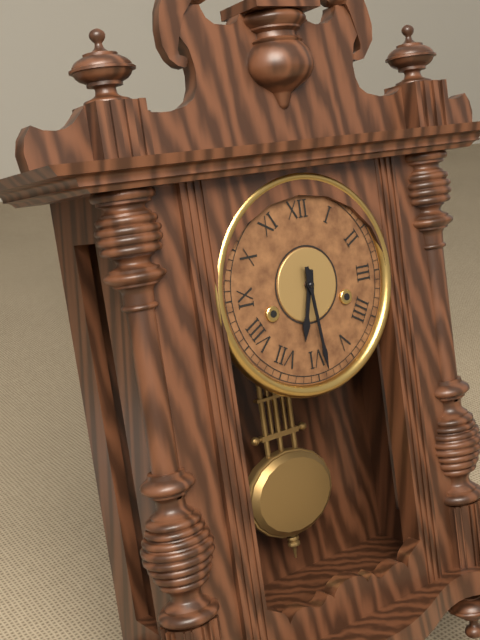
**6:29**
